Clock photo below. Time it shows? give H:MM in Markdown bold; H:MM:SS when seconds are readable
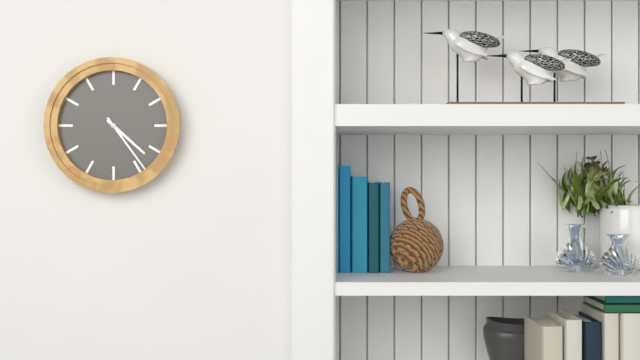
**4:24**
